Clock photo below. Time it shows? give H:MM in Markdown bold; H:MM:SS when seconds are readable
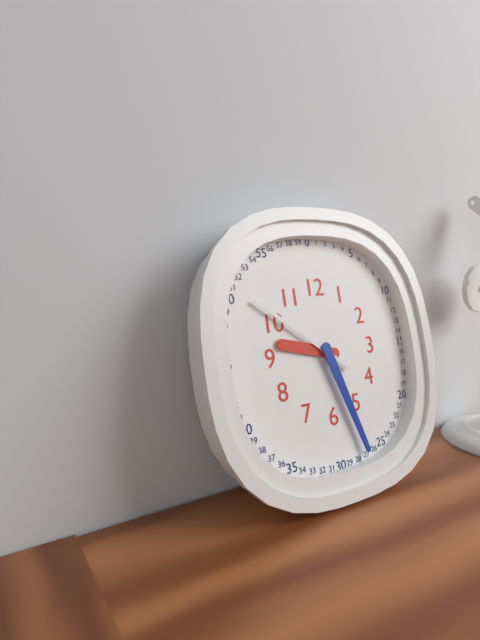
**9:27:51**
